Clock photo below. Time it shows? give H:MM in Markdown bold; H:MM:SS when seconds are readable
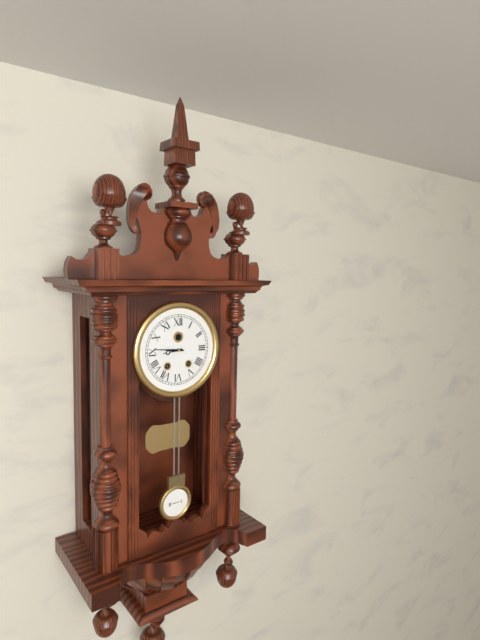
**8:46**
